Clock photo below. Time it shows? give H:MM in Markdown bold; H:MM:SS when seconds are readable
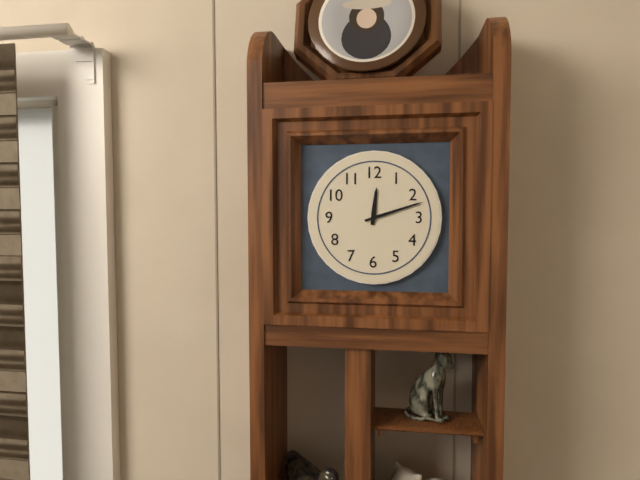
**12:12**
